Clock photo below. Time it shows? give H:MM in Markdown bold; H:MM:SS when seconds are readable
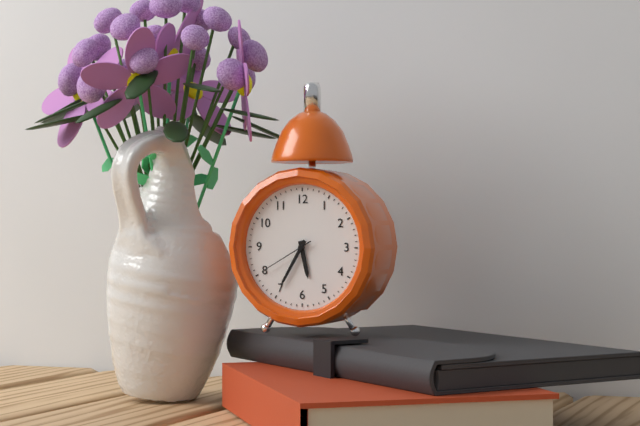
**5:35:40**
